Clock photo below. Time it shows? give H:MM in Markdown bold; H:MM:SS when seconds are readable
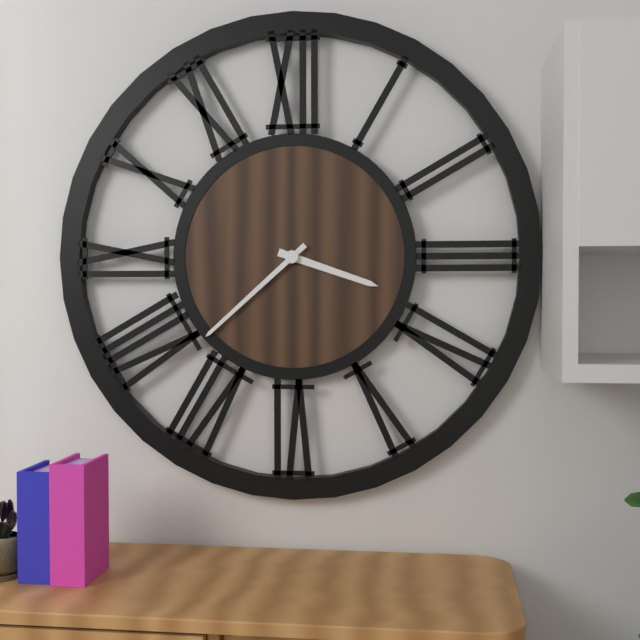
**3:38**
